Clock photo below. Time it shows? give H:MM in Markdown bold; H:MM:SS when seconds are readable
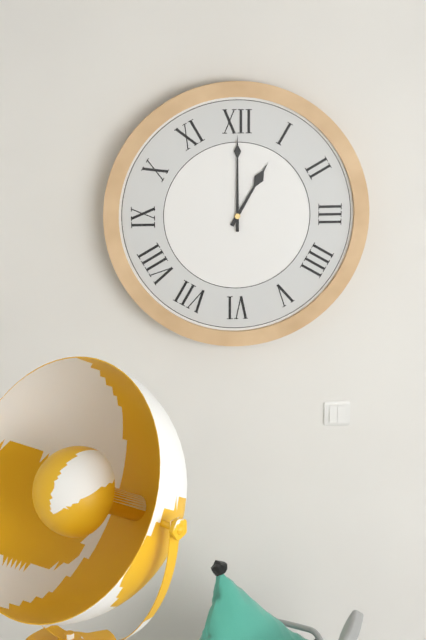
**1:00**
